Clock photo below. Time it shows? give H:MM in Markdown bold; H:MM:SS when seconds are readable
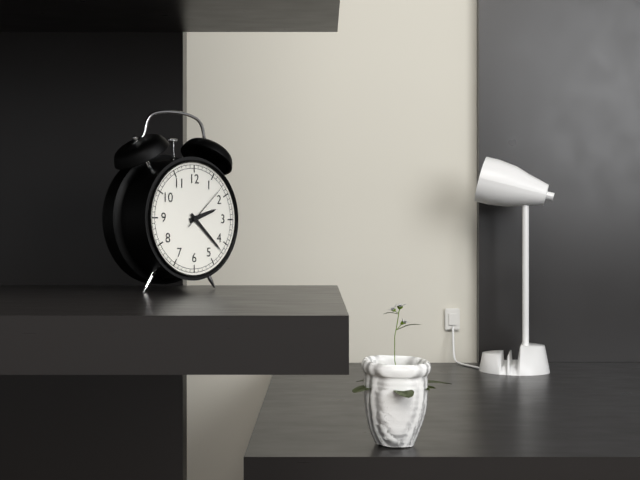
**2:22:08**
